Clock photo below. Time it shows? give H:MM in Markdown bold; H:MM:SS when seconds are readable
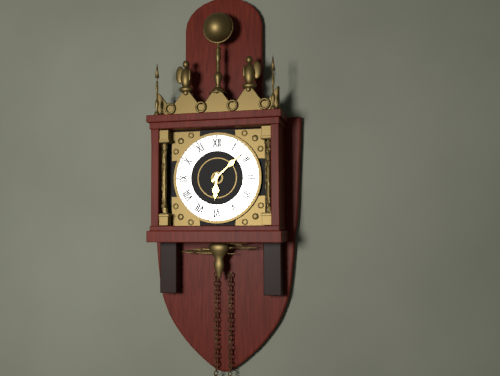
**6:08**
